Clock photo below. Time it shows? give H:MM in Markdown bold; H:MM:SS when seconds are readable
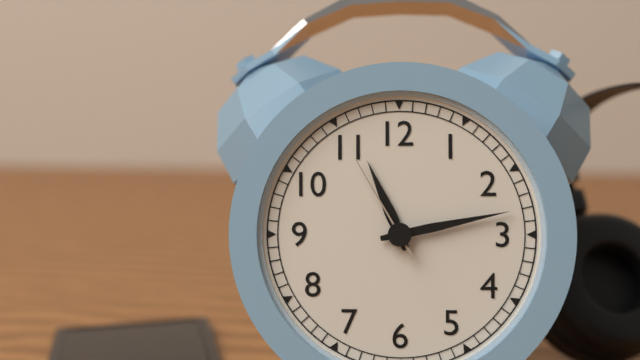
**11:13:55**
